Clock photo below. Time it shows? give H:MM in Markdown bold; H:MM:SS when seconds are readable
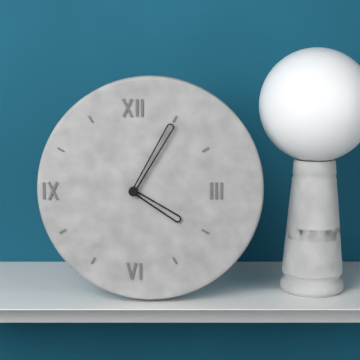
**4:05**
